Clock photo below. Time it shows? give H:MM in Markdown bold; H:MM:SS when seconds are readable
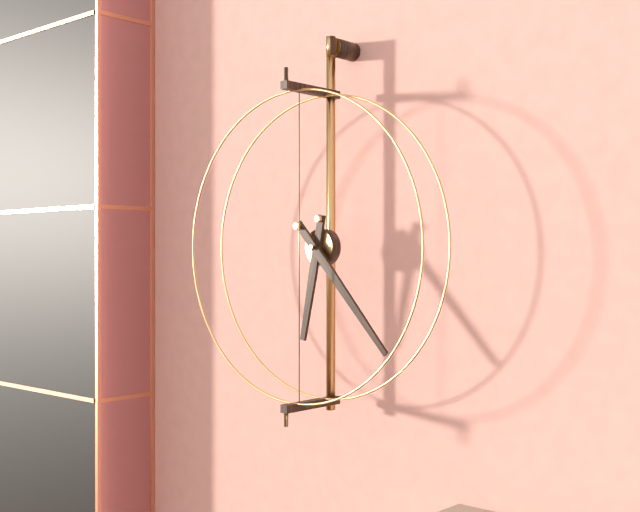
**6:23**
